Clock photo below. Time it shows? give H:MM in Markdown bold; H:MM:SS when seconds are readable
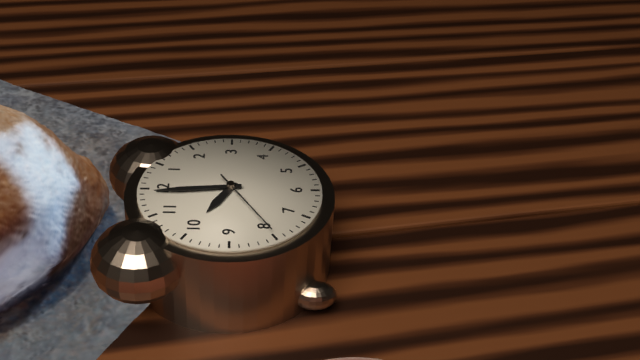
**9:59:40**
